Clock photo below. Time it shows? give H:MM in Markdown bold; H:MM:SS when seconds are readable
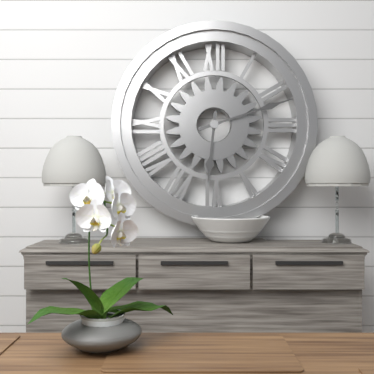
**6:12**
